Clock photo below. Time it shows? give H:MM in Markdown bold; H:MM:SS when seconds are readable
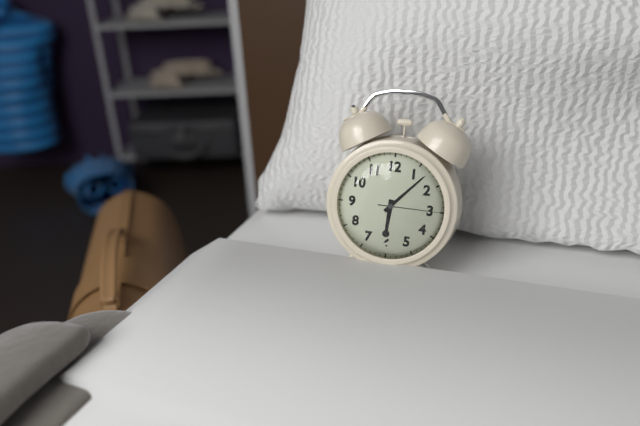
**6:07:15**
